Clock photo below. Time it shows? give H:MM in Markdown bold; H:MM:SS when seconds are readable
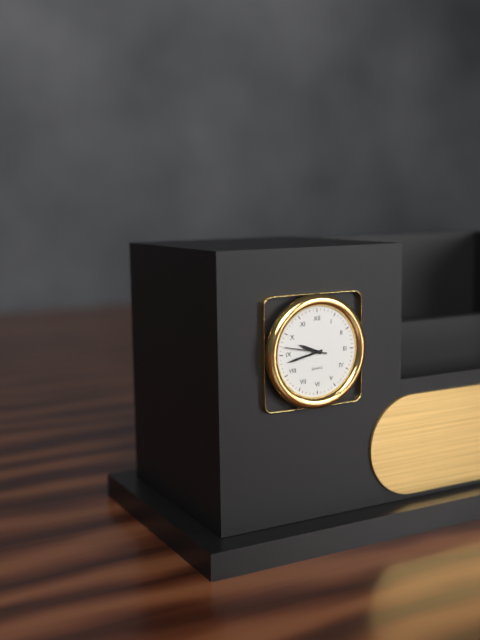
**9:43**
